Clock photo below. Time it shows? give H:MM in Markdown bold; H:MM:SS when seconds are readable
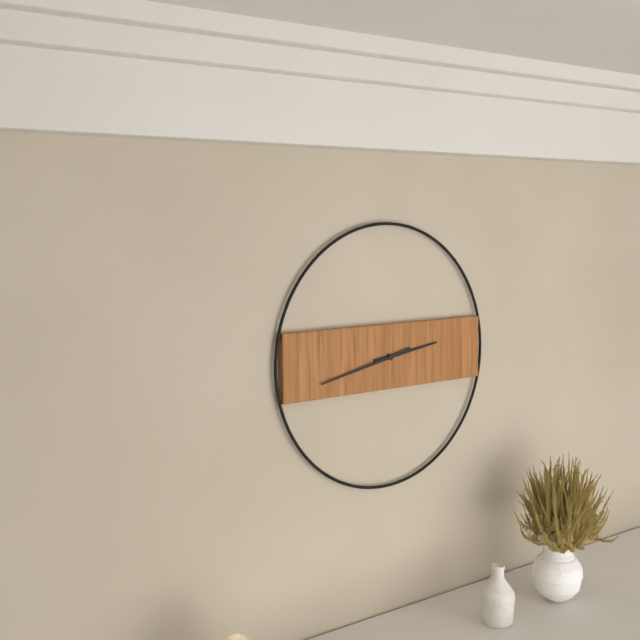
**2:43**
